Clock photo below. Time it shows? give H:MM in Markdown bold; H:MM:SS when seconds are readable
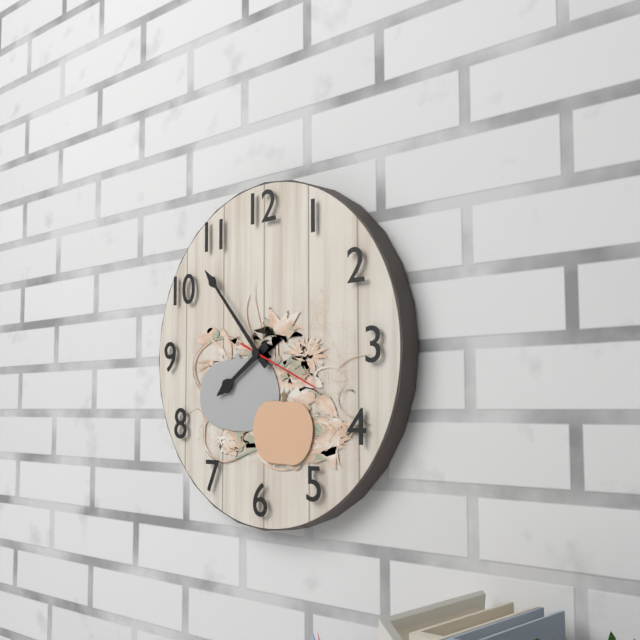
**7:53:19**
